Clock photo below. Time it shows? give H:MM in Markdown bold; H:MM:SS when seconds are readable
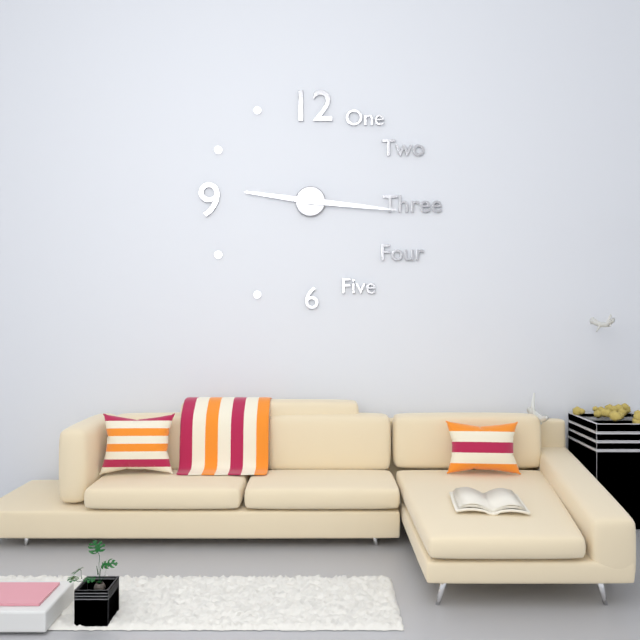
**9:16**
